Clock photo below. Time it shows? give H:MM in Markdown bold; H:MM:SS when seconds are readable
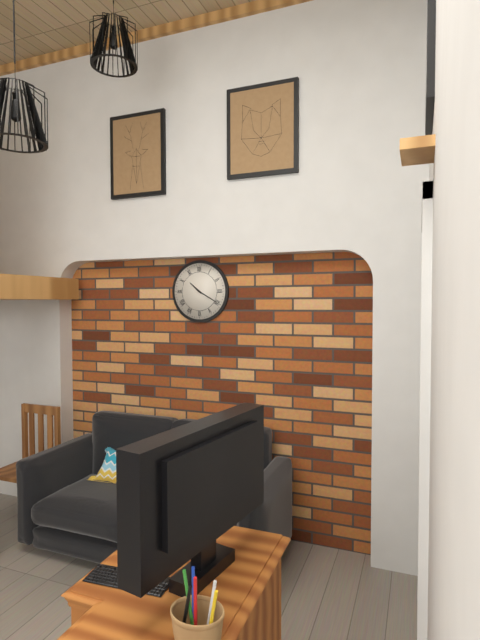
**10:20**
